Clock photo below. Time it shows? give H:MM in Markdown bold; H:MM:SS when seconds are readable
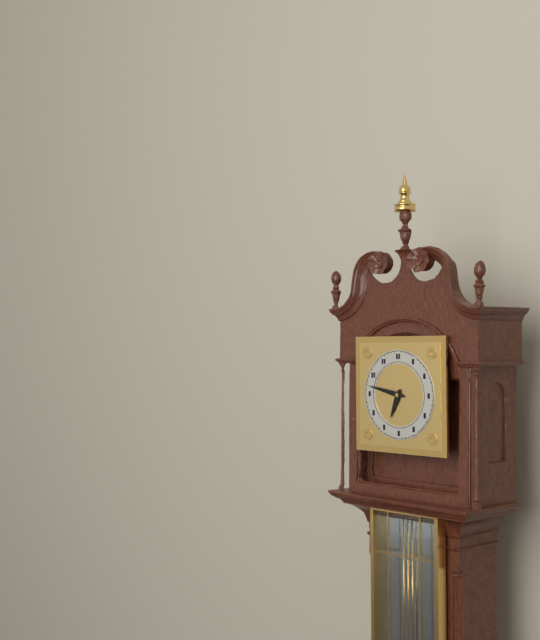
**6:47**
